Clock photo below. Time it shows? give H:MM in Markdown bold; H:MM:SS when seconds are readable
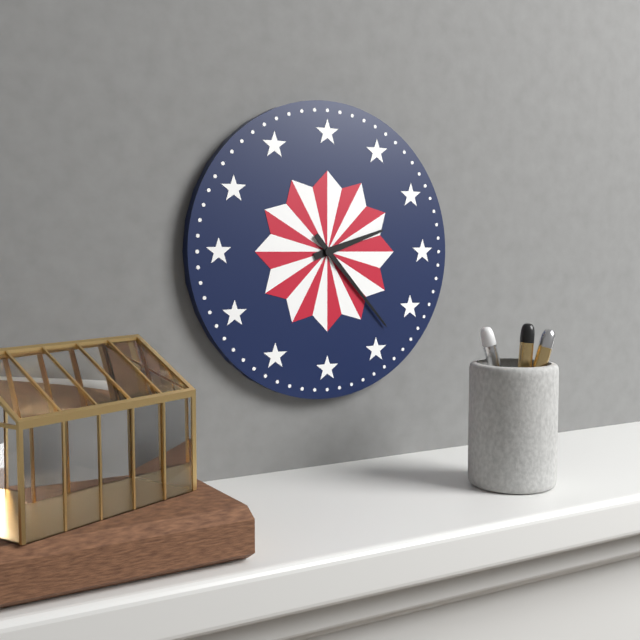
**2:23**
